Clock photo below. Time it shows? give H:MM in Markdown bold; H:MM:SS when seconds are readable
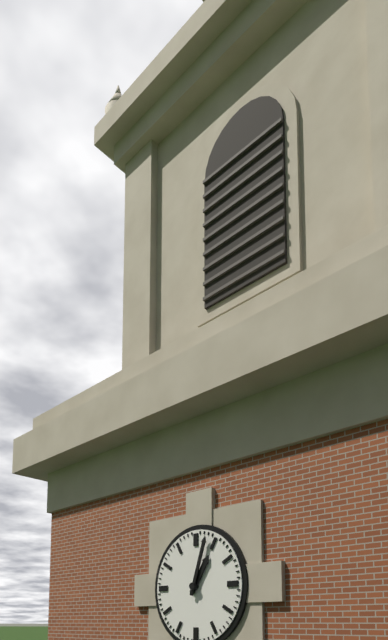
**1:03**
